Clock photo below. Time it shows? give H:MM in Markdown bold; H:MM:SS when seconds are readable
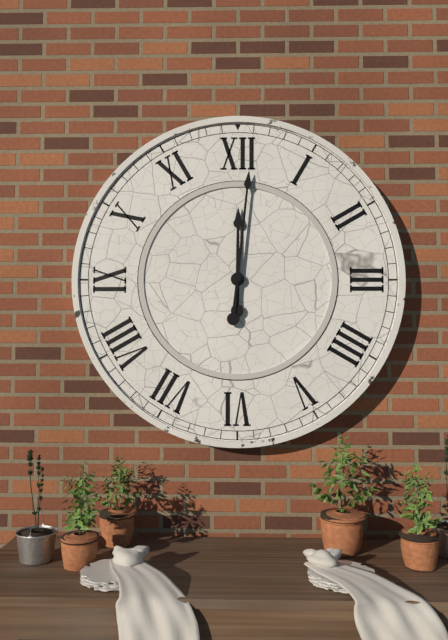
**12:01**
